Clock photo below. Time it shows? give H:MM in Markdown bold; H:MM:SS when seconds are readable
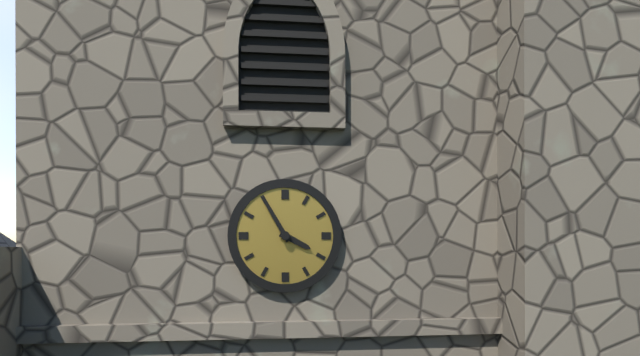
**3:55**
